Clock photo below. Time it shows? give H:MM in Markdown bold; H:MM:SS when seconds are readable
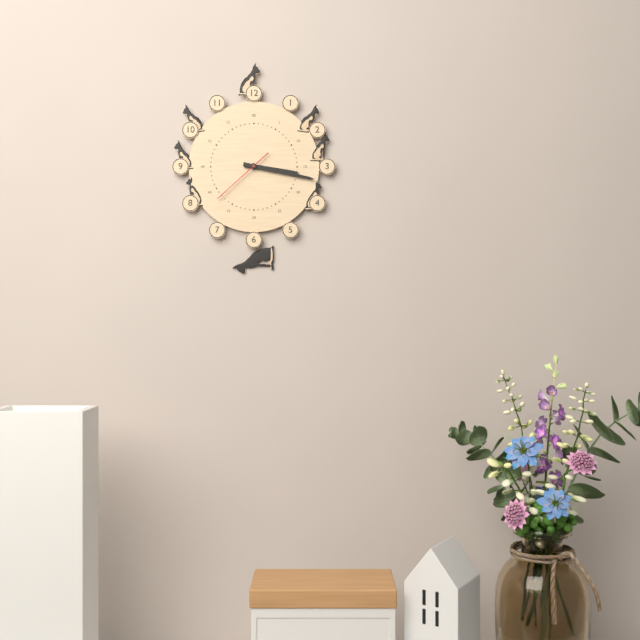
**3:17:38**
